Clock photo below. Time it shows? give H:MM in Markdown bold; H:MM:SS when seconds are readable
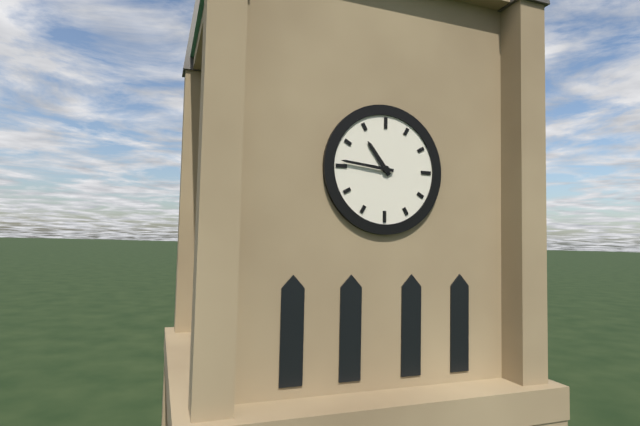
**10:46**
